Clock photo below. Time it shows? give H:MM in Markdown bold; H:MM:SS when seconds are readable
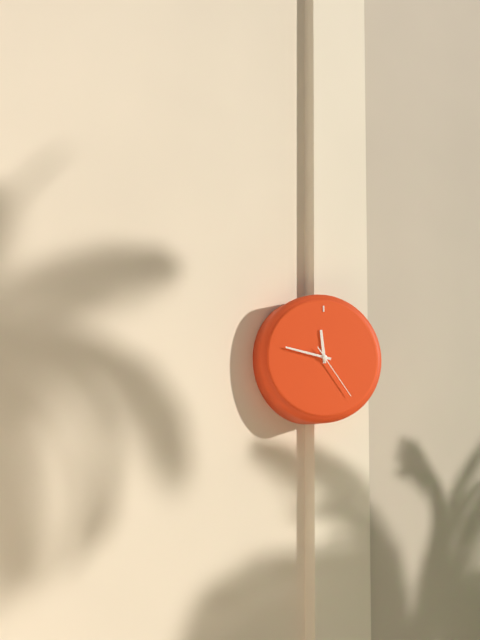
**11:47:24**
